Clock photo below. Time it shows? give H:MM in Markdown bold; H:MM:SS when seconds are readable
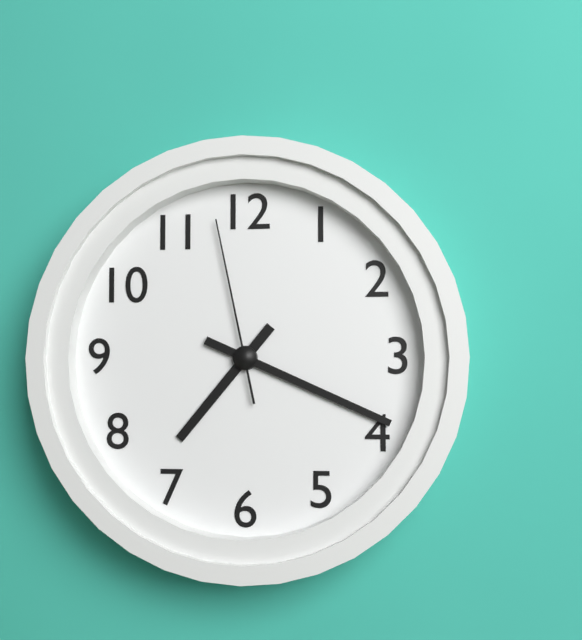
**7:19:58**
